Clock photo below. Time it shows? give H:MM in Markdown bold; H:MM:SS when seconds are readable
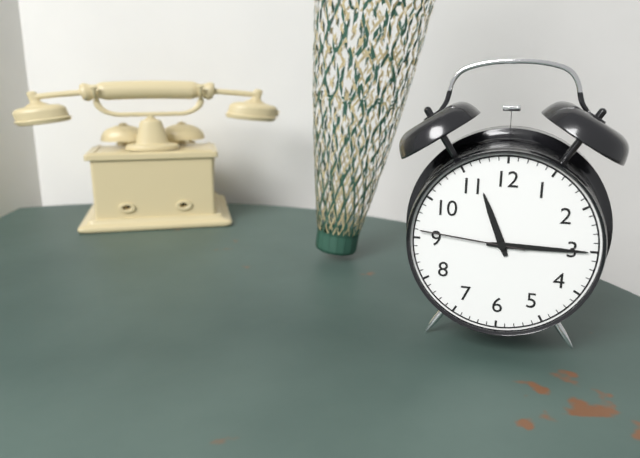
**11:15:46**
